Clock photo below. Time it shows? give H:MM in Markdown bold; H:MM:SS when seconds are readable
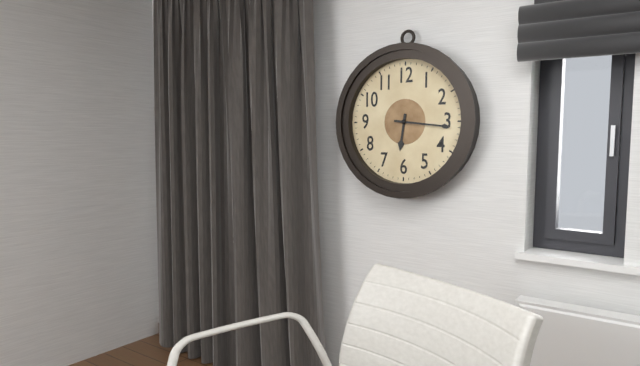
**6:16**
